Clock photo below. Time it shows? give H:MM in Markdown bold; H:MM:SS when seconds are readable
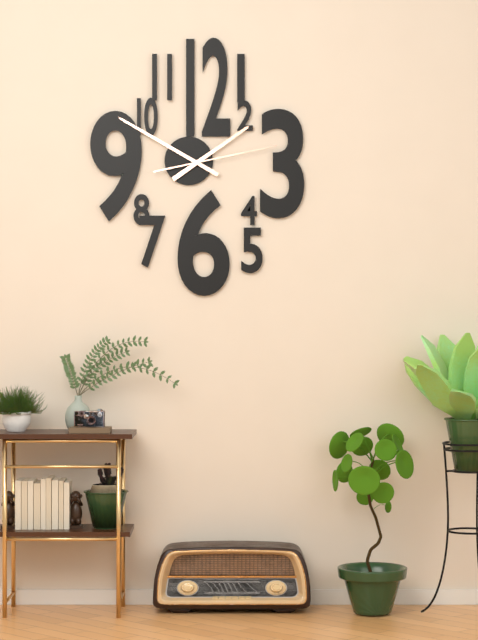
**1:50:13**
